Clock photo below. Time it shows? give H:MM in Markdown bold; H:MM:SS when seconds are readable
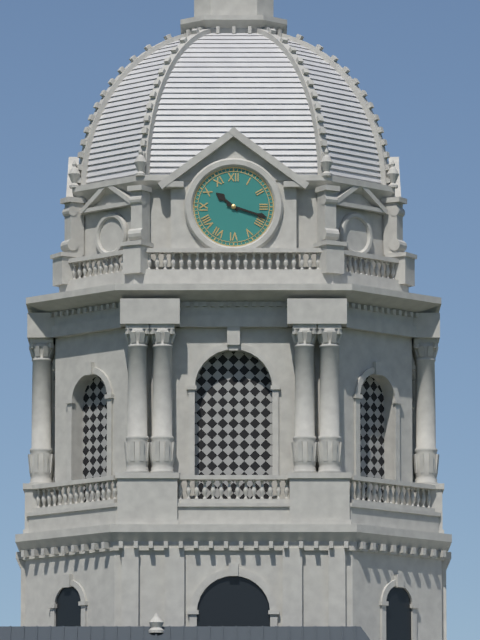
**10:18**
